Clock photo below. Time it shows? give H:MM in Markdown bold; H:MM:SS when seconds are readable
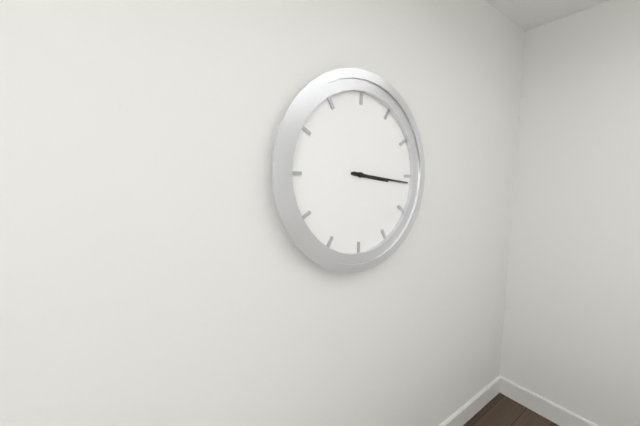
**3:16**
